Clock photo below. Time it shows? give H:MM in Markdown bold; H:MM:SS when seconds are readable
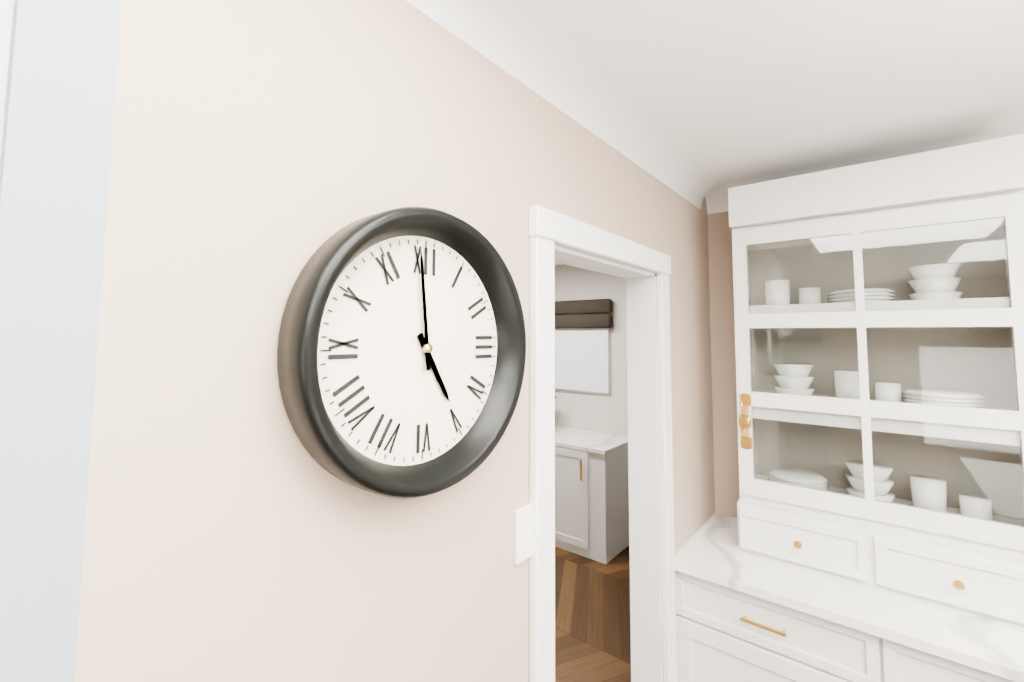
**4:59**
